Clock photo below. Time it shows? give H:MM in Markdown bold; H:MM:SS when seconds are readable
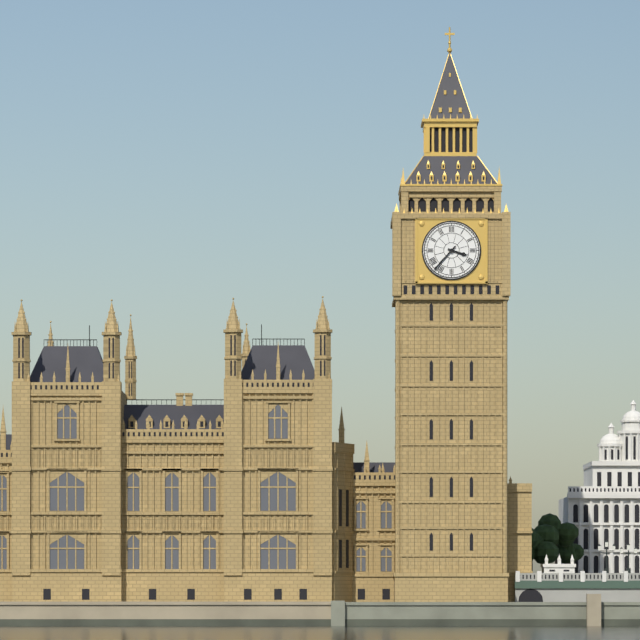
**3:37**
